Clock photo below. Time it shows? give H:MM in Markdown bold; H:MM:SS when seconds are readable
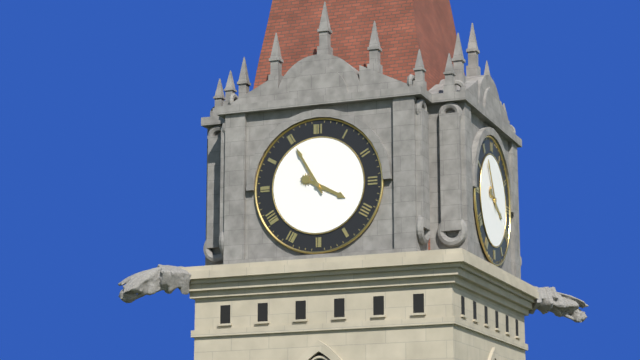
**3:55**
